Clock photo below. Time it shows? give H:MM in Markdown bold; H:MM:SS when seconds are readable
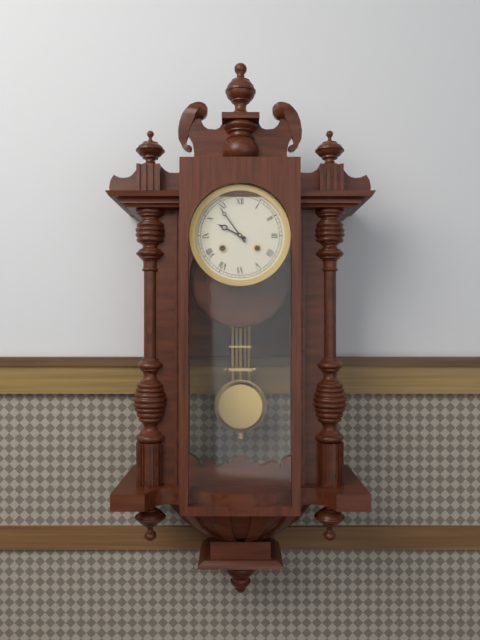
**9:54**
